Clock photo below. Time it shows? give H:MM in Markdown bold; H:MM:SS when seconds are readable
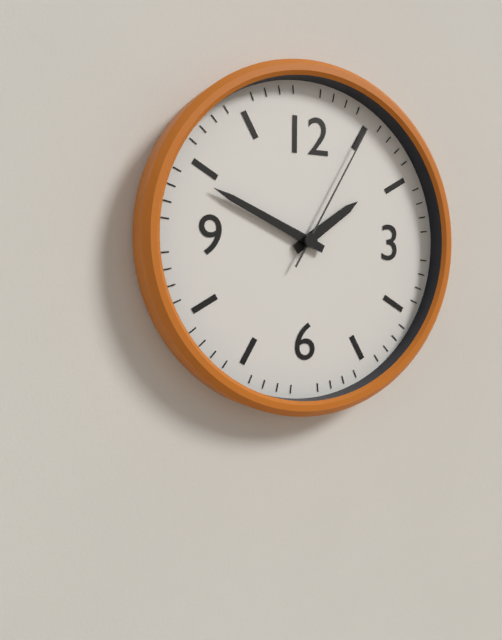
**1:49:05**
